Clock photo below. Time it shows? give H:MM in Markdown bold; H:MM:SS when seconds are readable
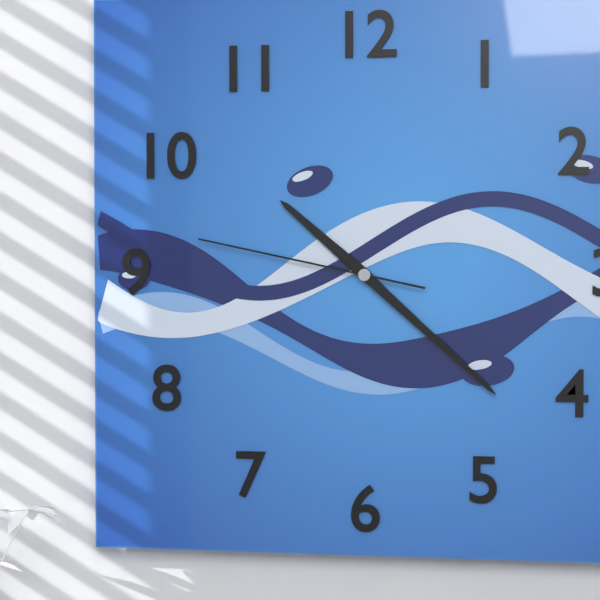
**10:22:47**
